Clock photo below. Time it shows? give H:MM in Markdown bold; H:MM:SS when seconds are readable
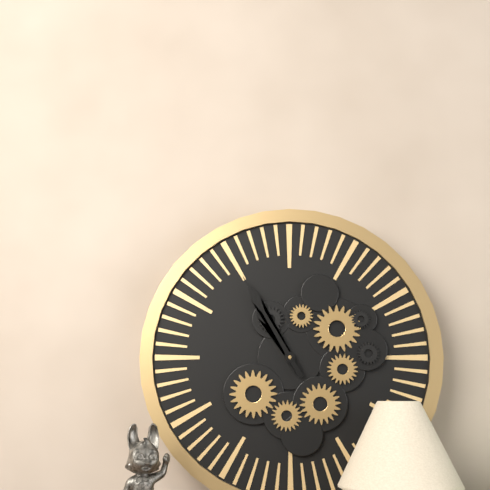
**10:55**
